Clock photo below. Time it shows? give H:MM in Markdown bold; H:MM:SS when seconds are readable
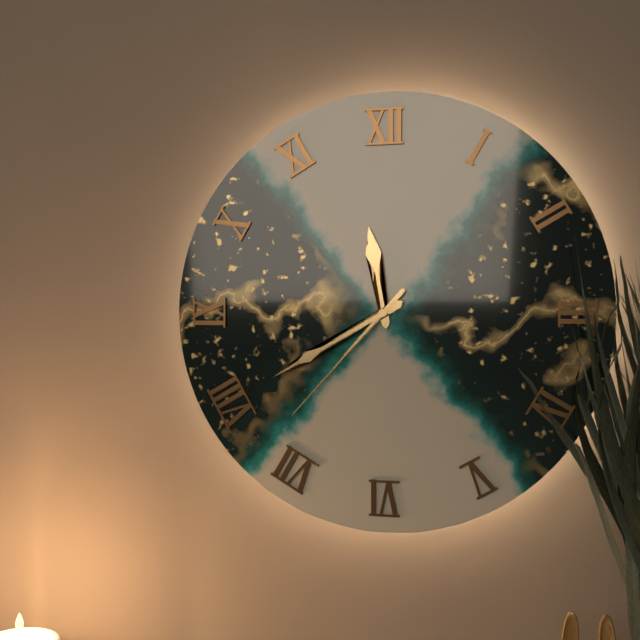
**11:40:37**
